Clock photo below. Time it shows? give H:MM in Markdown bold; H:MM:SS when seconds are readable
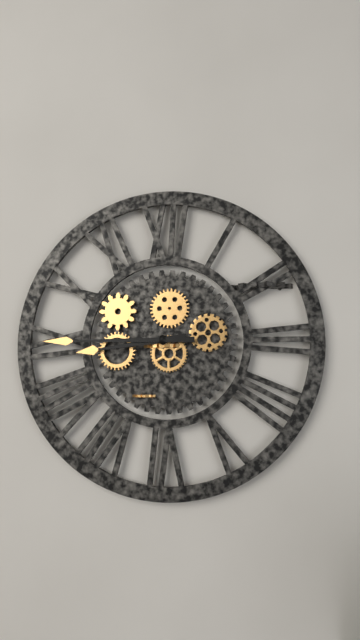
**8:45**
